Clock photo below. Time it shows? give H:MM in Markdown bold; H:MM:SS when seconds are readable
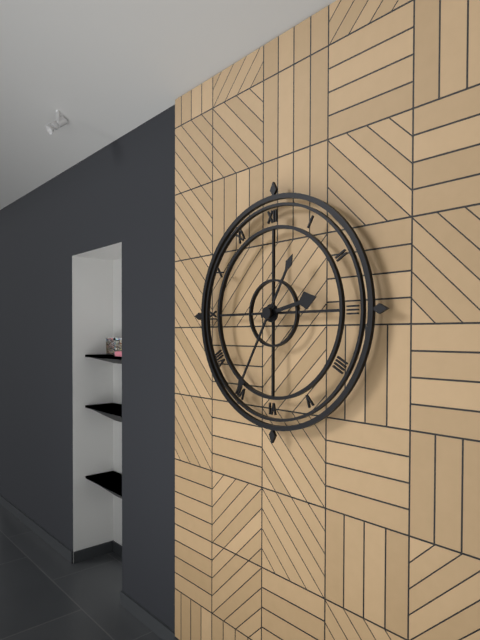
**2:35**
